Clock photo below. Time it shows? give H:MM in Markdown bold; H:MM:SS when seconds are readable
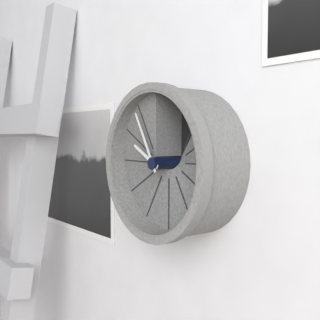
**9:55**
